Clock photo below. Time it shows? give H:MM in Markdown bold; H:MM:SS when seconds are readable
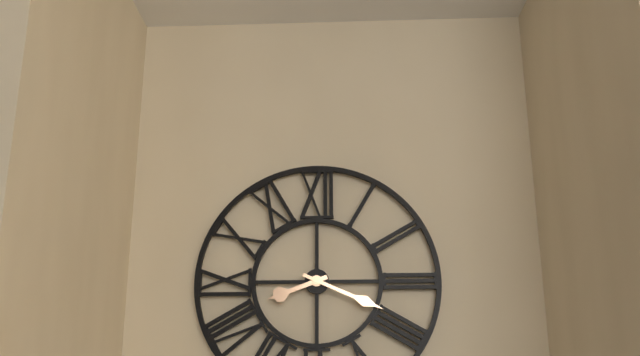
**8:19**
